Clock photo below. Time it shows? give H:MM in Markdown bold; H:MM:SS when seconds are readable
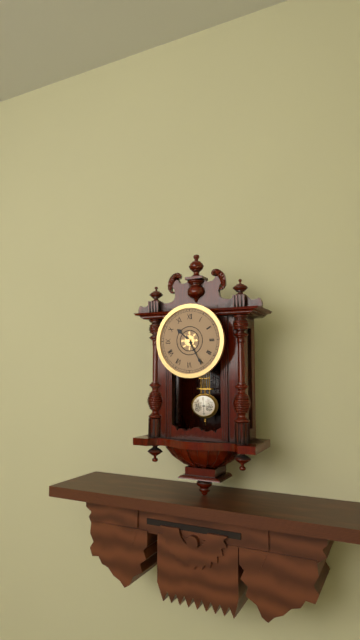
**10:25**
